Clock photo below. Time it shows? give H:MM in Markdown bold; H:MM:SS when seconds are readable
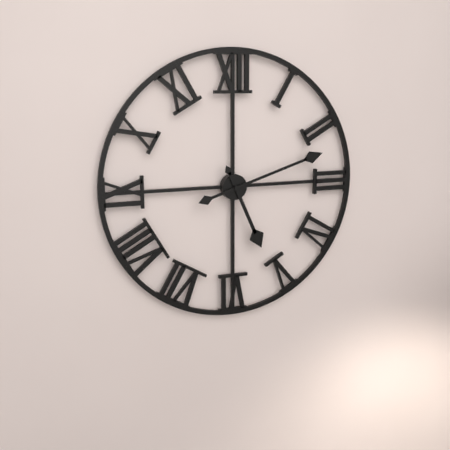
**5:12**
